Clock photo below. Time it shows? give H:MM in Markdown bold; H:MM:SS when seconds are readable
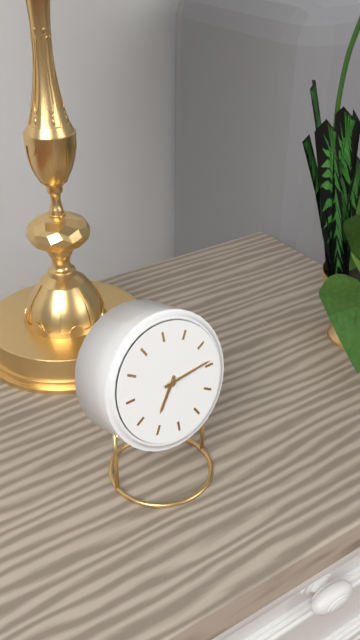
**7:14**
